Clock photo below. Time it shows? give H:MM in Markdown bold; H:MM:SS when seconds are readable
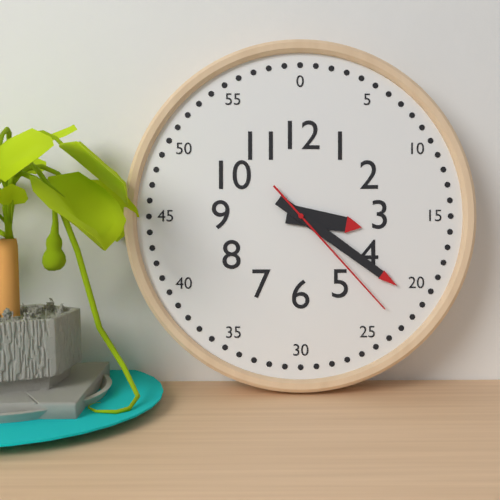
**3:21:23**
